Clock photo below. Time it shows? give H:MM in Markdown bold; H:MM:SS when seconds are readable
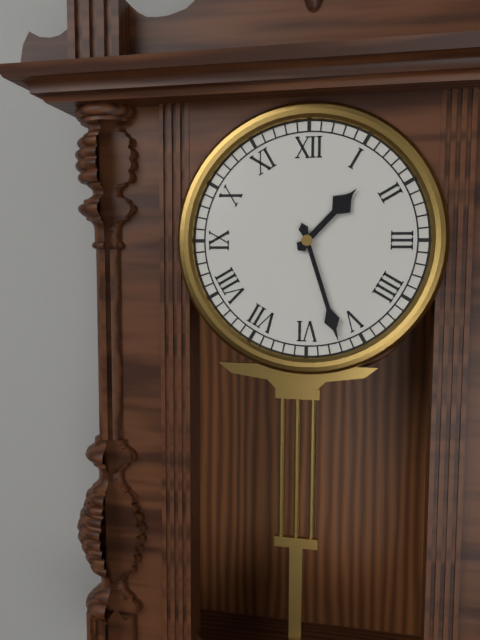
**1:27**
